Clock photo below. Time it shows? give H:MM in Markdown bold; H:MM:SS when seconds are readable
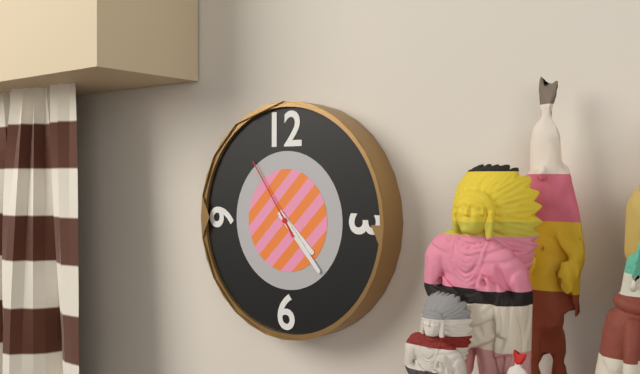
**4:23:54**
